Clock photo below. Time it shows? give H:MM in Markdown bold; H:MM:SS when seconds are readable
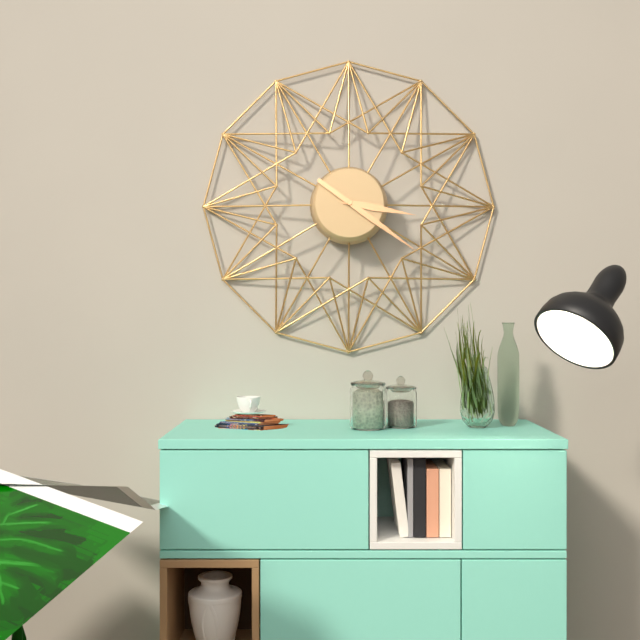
**3:21**
